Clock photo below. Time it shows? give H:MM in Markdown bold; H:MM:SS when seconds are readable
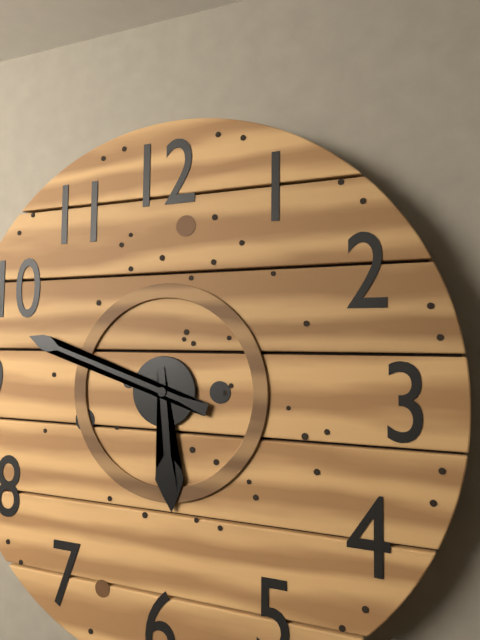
**5:48**
